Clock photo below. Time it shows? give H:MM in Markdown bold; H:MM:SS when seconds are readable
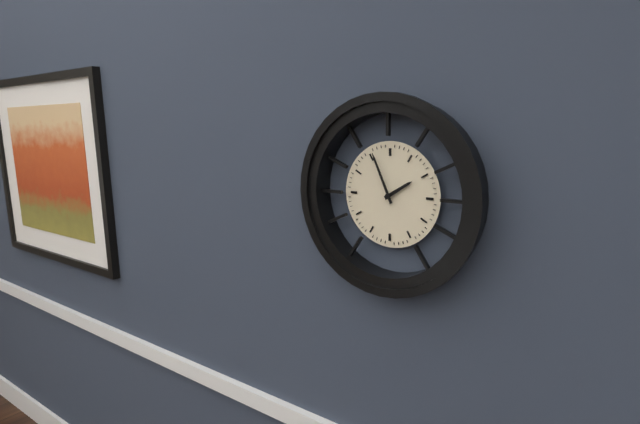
**1:56**
